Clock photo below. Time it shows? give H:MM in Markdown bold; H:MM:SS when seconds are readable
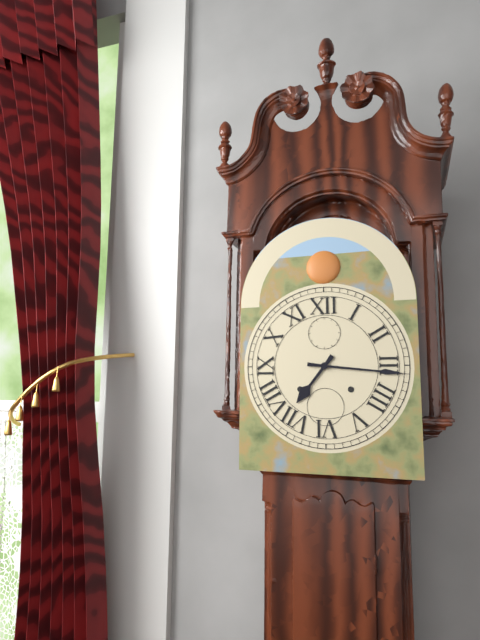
**7:16**
